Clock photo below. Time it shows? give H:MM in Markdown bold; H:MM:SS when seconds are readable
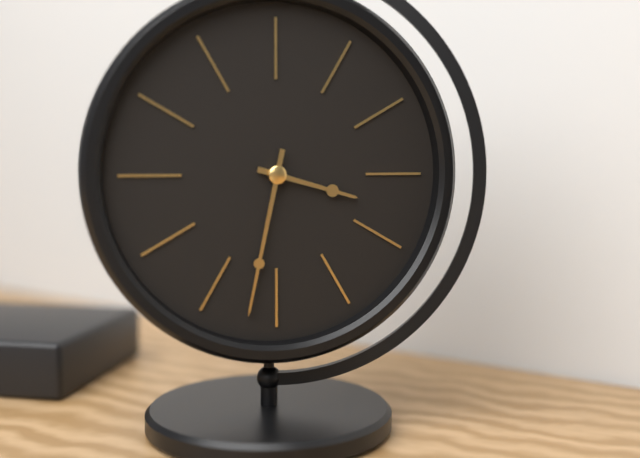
**3:32**
